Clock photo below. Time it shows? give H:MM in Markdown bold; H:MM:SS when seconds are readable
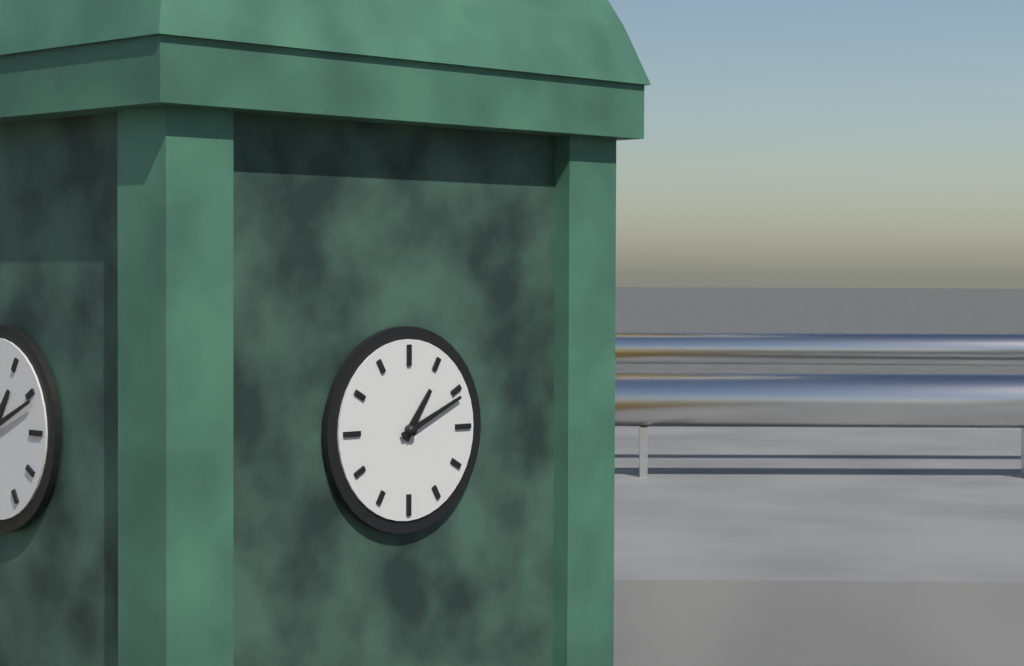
**1:11**
